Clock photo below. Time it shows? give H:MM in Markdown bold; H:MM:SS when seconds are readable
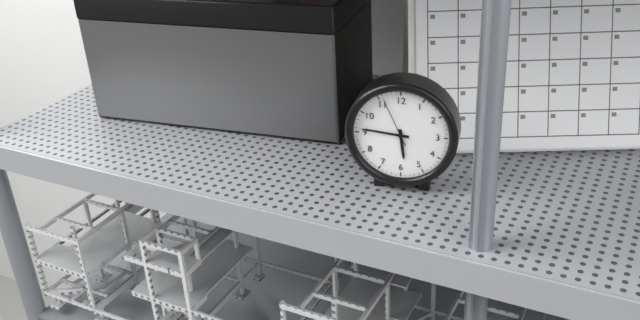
**5:46:56**
